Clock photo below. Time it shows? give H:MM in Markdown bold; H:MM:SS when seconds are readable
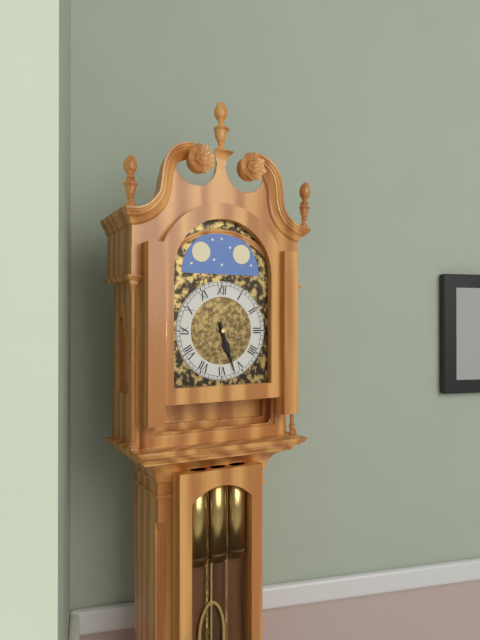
**5:27**
